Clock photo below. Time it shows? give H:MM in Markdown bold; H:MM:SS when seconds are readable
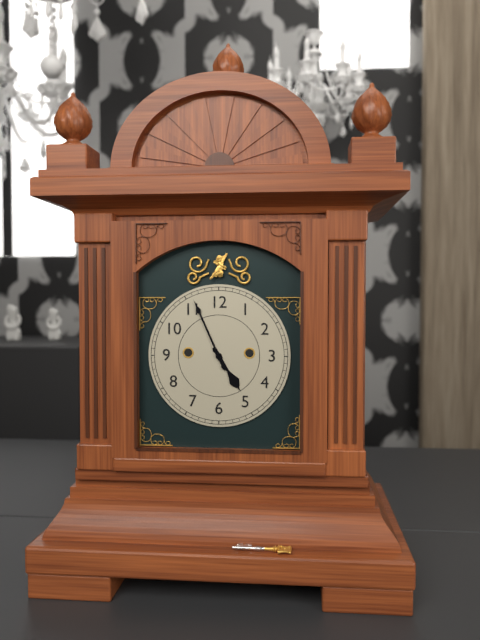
**4:56**
